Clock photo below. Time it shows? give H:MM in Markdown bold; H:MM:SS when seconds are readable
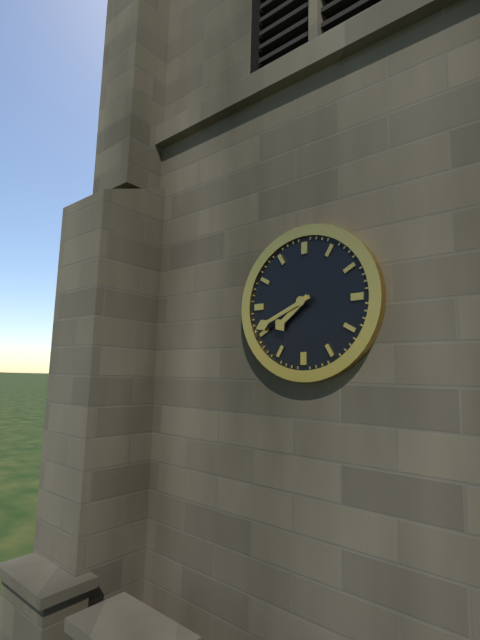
**7:41**
